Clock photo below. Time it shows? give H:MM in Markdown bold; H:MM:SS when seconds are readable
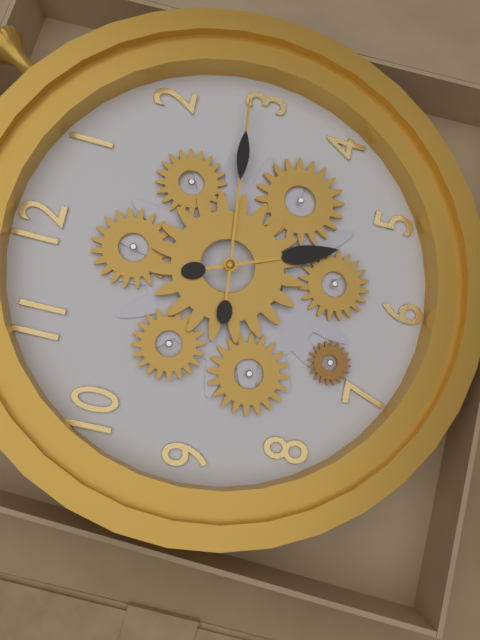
**5:14**
